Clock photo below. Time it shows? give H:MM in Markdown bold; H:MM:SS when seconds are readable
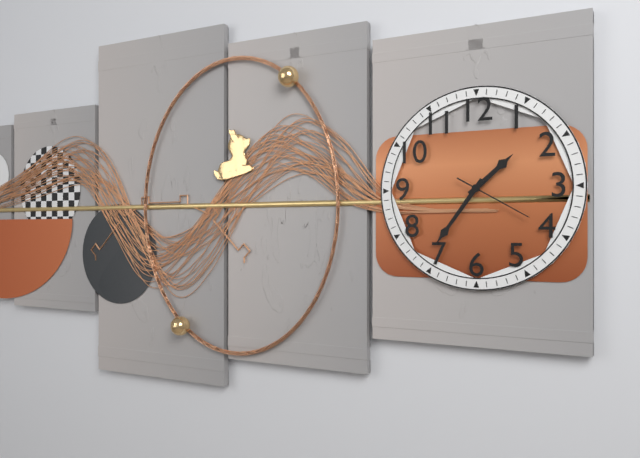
**1:36:20**
